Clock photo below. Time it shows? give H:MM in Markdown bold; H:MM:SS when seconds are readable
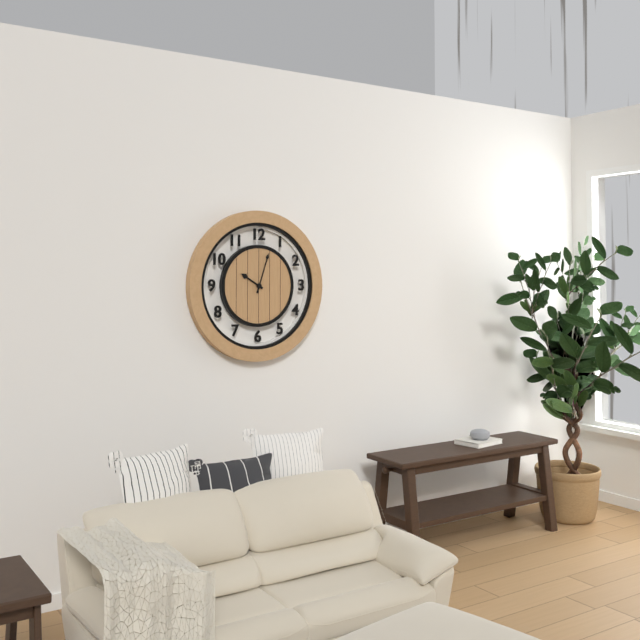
**10:03**
